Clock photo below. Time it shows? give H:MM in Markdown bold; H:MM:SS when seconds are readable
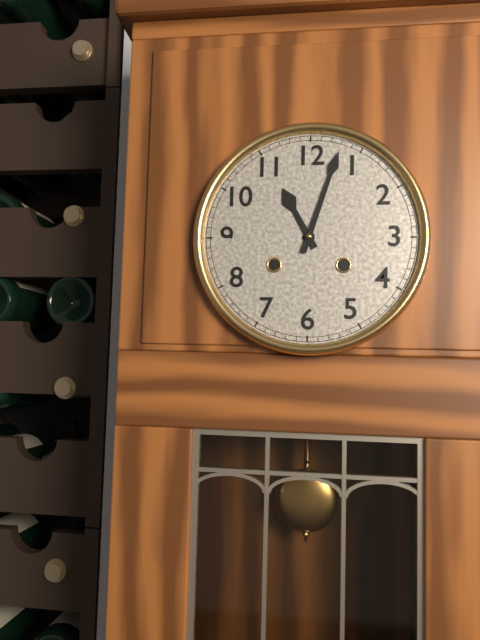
**11:03**
